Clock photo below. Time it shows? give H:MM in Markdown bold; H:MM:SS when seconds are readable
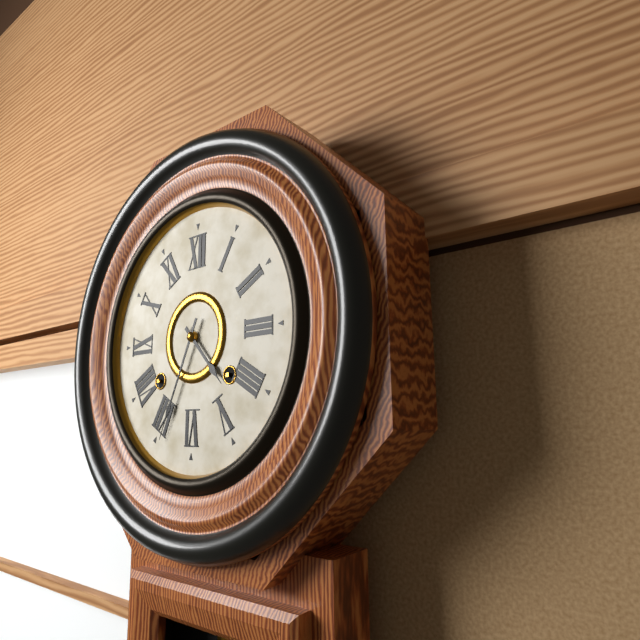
**4:34**
